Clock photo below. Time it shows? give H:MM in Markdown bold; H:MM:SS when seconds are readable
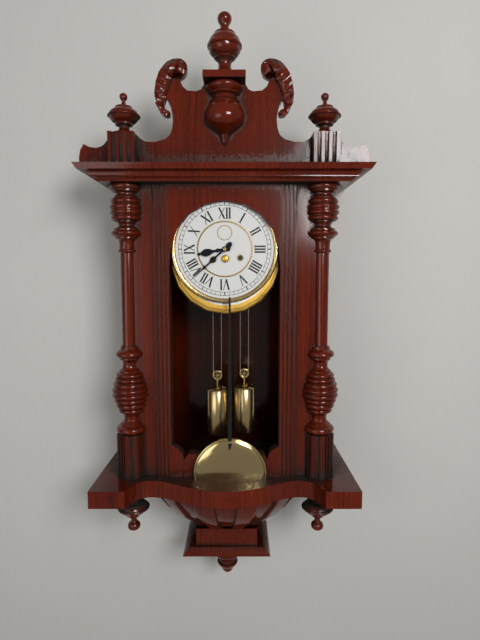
**8:38**
